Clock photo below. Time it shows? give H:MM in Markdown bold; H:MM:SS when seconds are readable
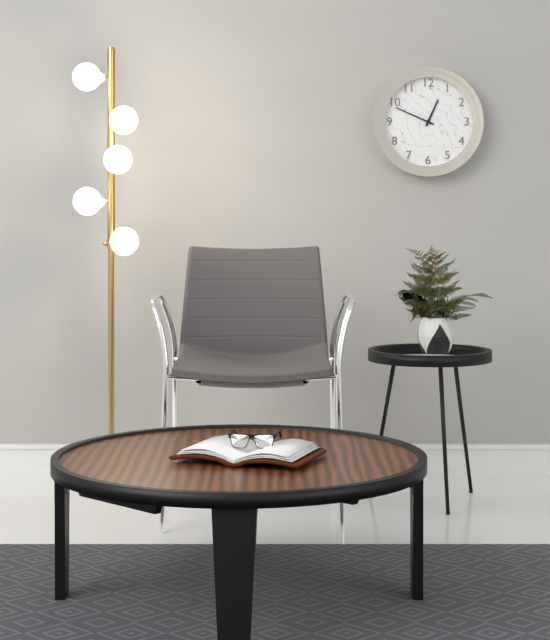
**12:49**
